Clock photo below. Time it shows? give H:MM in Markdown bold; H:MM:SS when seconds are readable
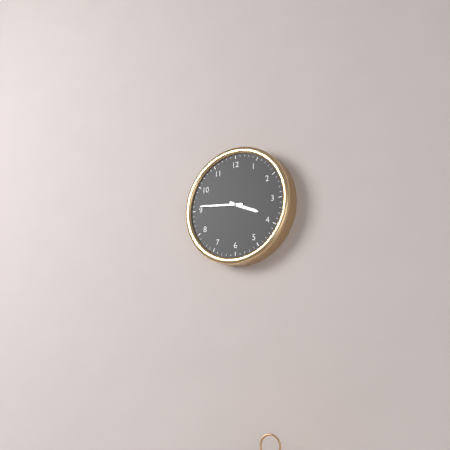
**3:46**
